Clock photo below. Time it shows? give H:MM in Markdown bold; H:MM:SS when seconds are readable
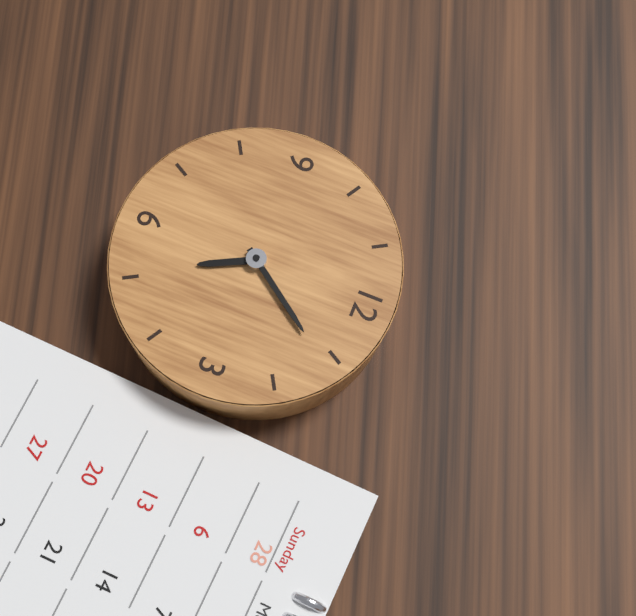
**5:06**
